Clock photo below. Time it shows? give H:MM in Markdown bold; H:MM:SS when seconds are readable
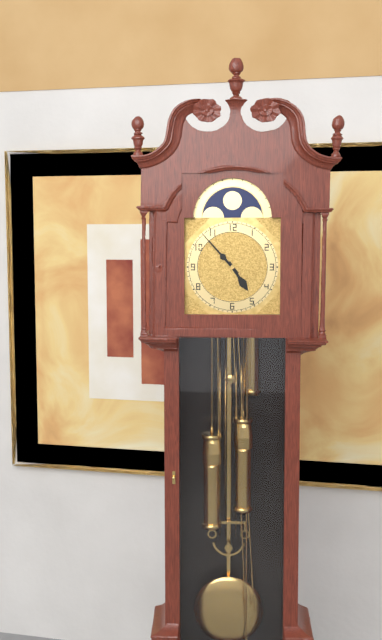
**4:53**
